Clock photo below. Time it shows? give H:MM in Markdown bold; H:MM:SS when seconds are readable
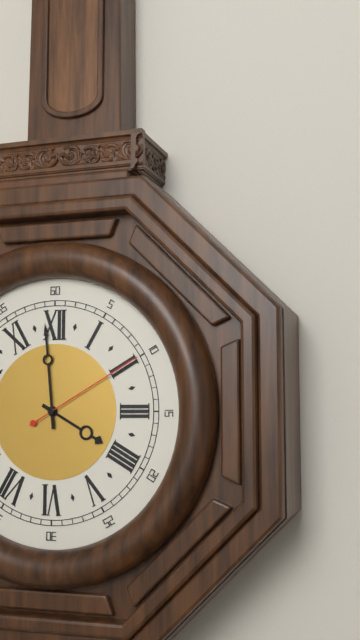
**3:59:10**
